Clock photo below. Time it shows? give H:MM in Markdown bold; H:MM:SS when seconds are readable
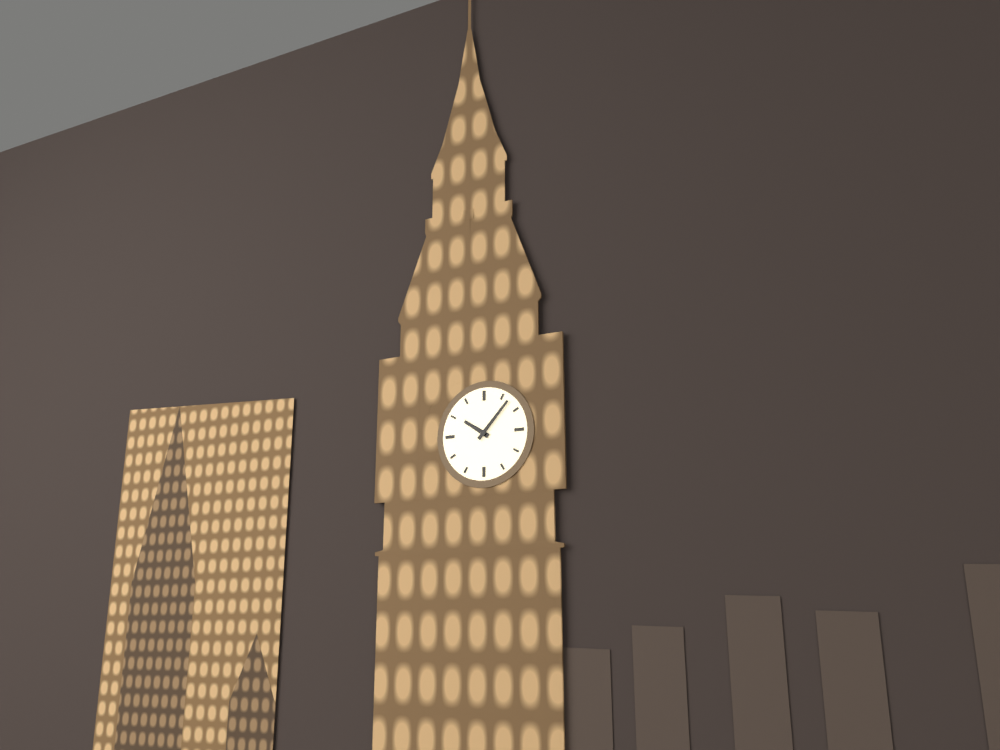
**10:07**
